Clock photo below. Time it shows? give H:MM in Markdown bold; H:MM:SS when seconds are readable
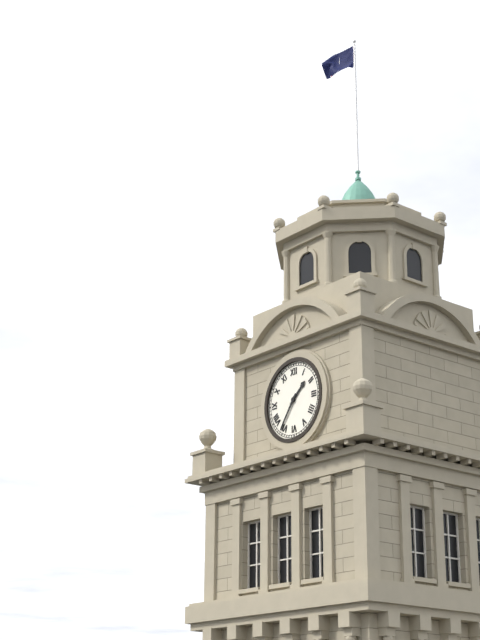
**1:36**
